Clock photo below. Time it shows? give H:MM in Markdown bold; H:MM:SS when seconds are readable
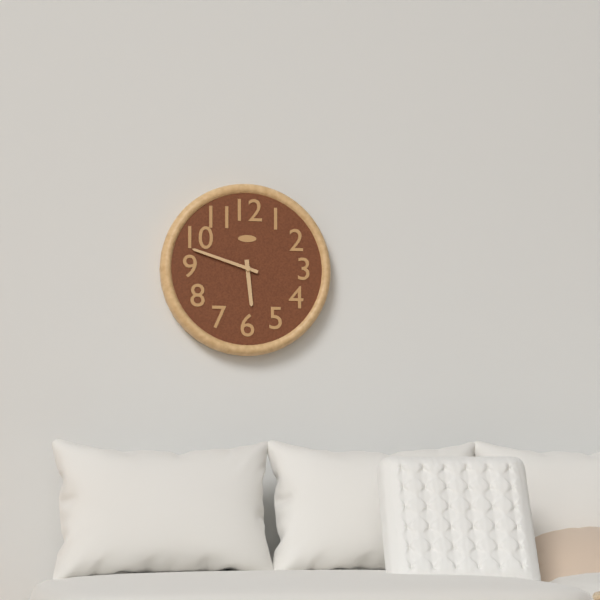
**5:48**
